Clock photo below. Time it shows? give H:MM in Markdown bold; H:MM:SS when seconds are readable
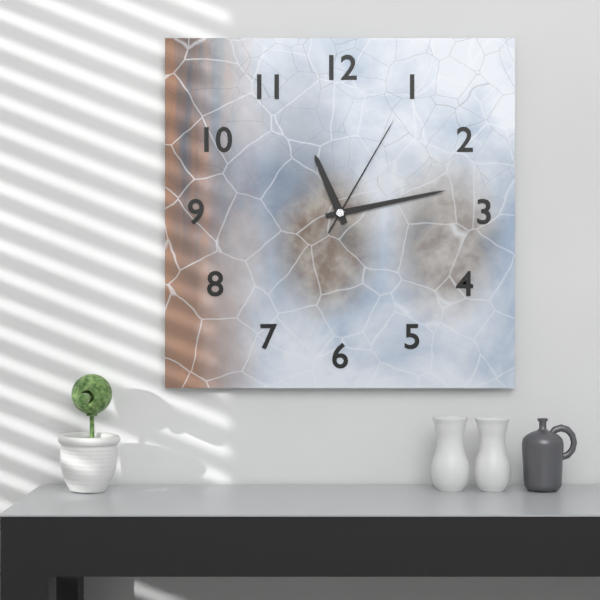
**11:13:05**
